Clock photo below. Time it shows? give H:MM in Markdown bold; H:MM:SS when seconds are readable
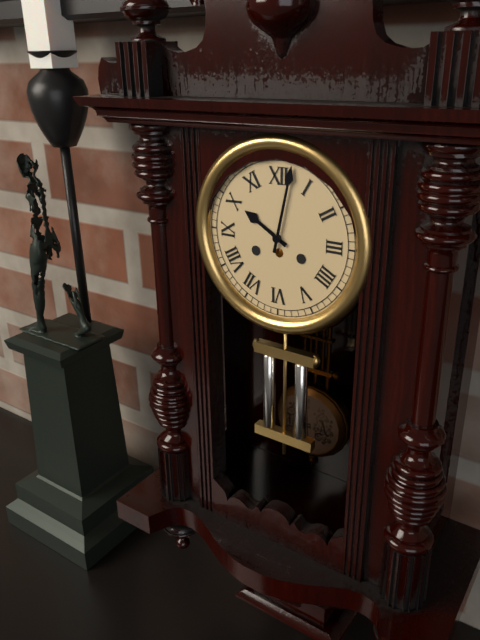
**10:02**
